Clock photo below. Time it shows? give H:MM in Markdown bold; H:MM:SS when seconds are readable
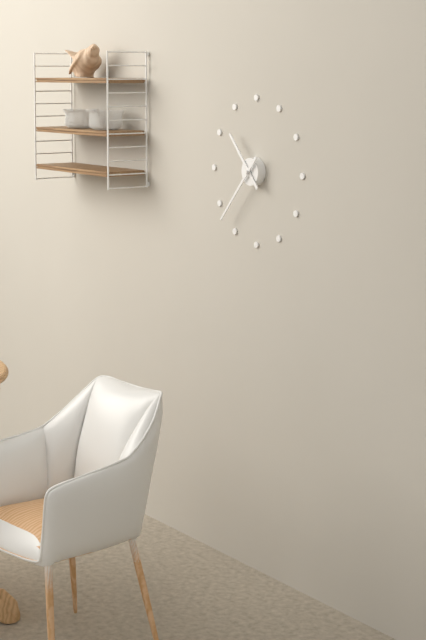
**10:37**
